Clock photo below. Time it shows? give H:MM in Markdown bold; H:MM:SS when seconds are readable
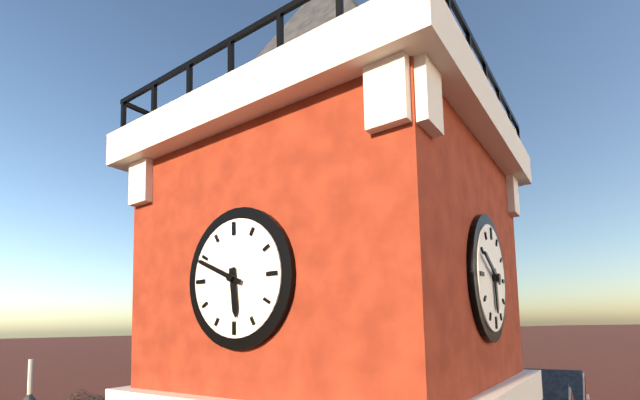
**5:49**
